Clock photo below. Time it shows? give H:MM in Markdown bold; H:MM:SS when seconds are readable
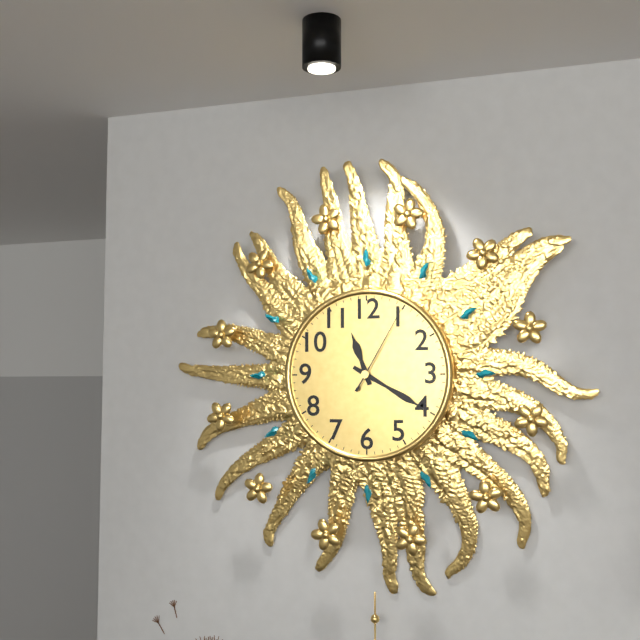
**11:20:05**
